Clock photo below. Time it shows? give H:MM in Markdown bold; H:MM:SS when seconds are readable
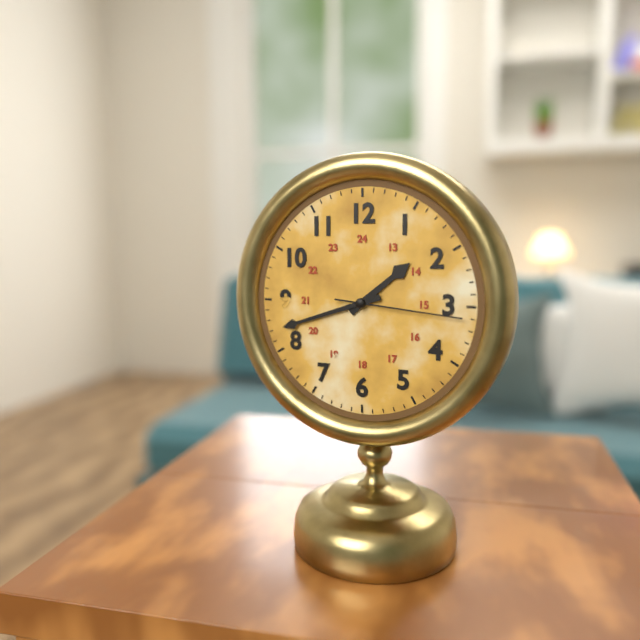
**1:42:16**
